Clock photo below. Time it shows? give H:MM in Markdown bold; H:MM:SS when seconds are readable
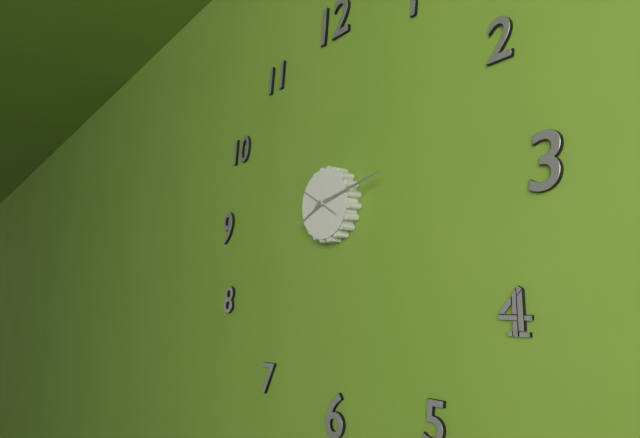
**8:13:50**
